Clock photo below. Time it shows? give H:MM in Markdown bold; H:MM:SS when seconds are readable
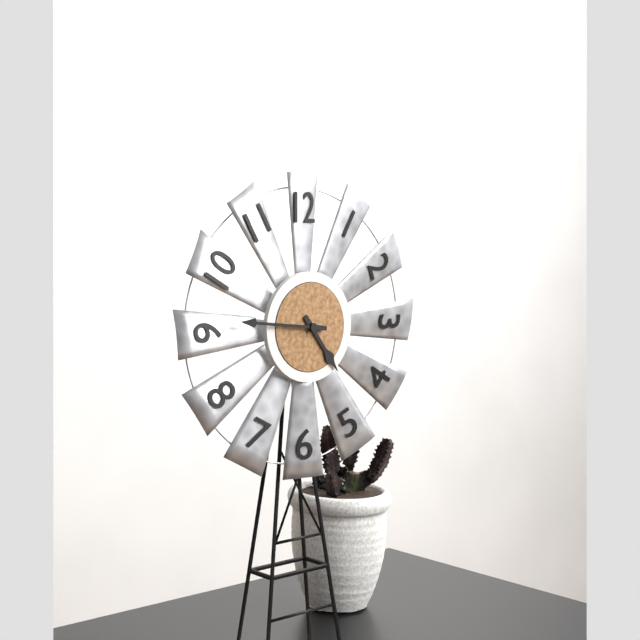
**4:46**
